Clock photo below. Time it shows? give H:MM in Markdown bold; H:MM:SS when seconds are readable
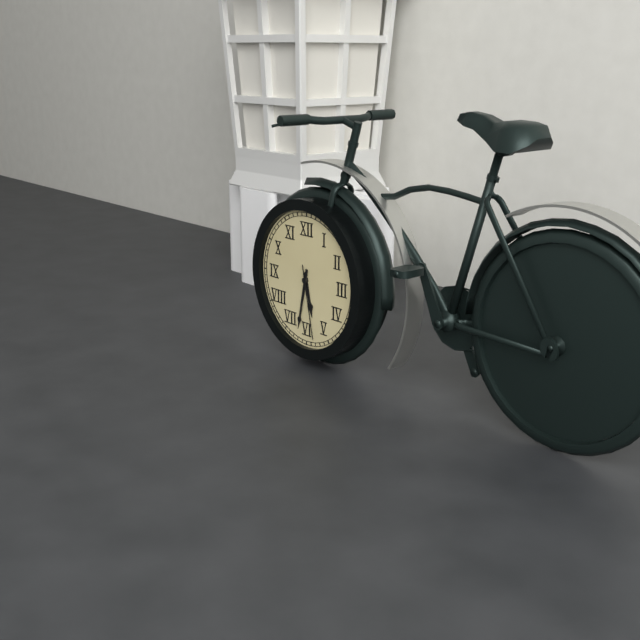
**5:32:28**
